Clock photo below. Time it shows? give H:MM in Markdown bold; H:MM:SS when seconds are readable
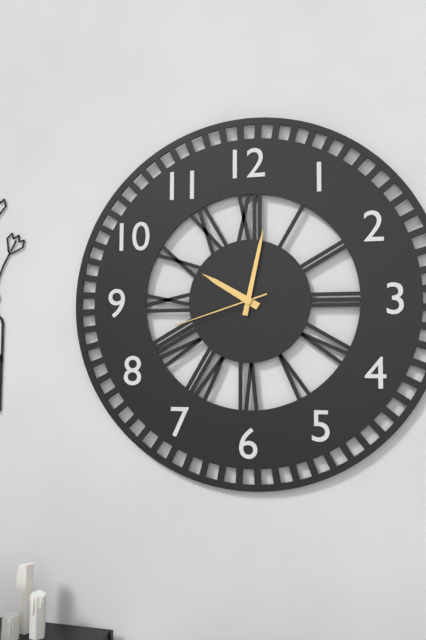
**10:02:42**
